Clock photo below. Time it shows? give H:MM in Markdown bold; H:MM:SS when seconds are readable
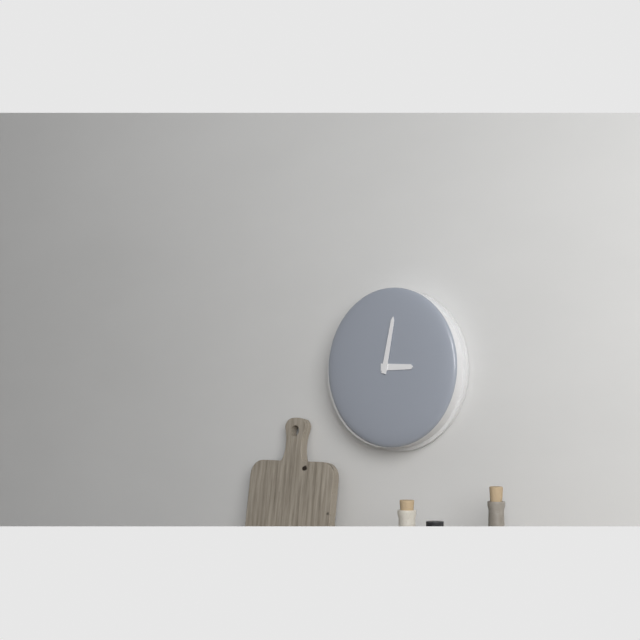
**3:02**
